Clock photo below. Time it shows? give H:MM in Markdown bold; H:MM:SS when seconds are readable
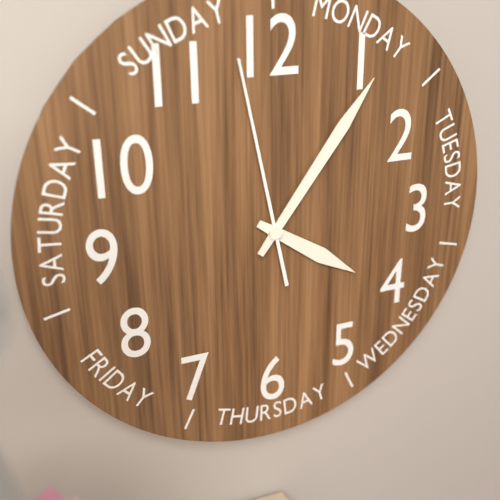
**4:06:58**
